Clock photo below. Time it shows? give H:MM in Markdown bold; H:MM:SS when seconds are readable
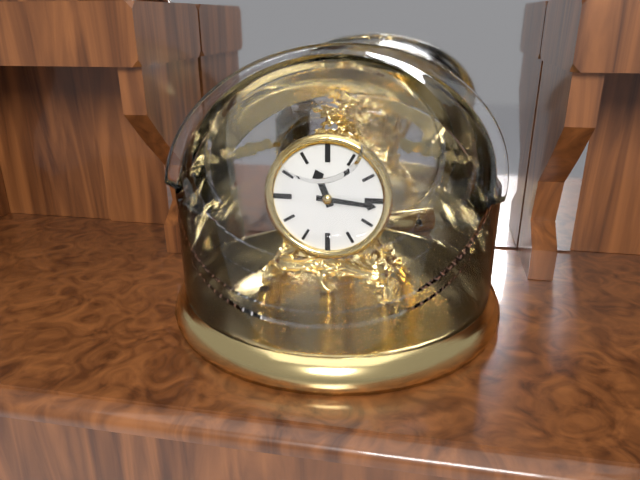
**11:16**
